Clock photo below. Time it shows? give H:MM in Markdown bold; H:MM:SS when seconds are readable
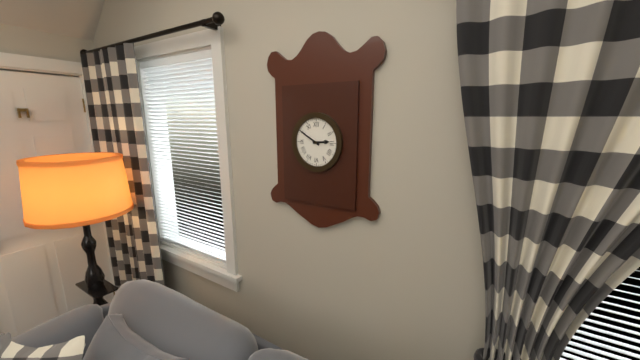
**2:50**
